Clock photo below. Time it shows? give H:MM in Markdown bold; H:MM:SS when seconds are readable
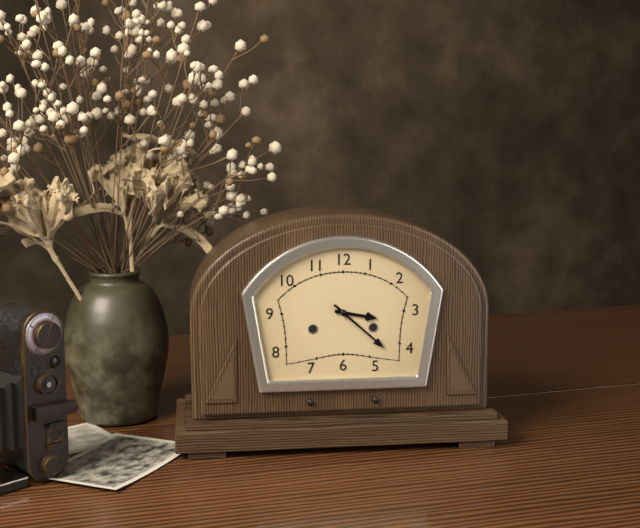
**3:22**
